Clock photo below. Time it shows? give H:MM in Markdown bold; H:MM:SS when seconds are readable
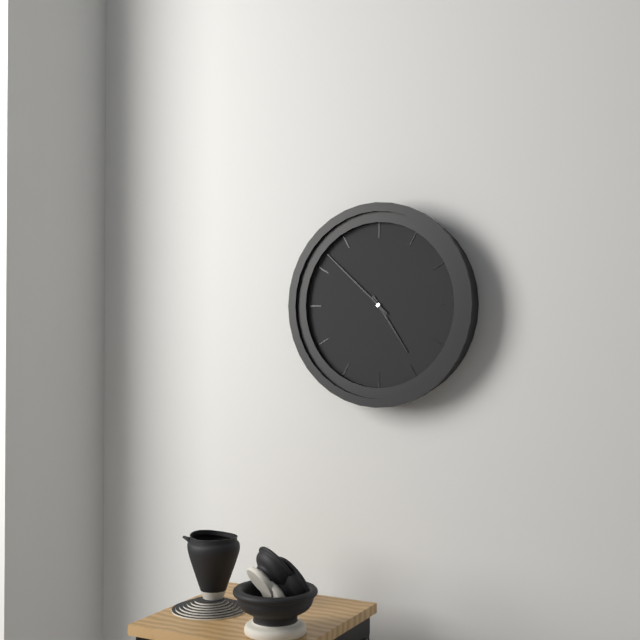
**4:52**
